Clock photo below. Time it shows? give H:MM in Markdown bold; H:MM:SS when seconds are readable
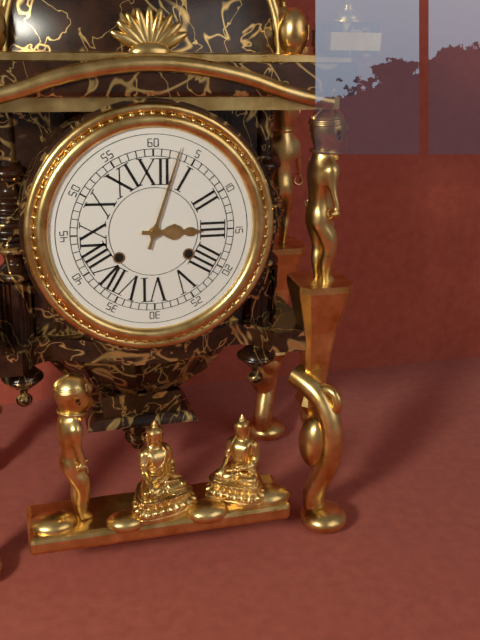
**3:03**
